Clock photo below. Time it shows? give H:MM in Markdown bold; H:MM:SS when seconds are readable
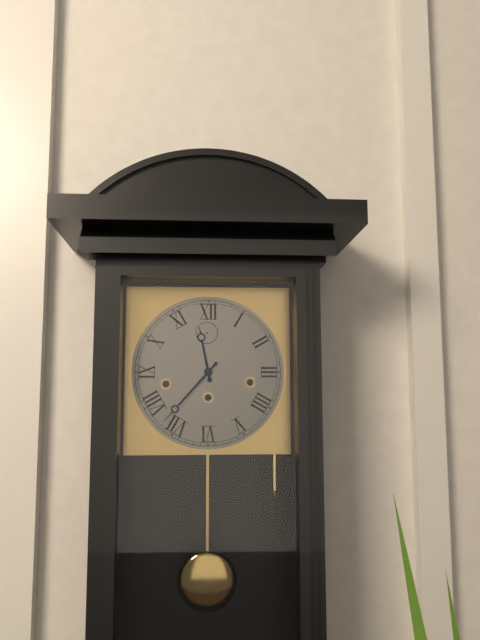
**11:37**
